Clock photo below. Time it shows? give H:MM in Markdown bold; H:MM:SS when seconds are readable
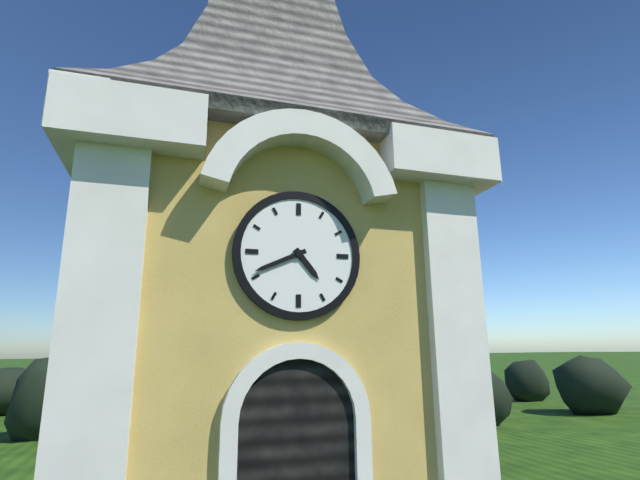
**4:41**
